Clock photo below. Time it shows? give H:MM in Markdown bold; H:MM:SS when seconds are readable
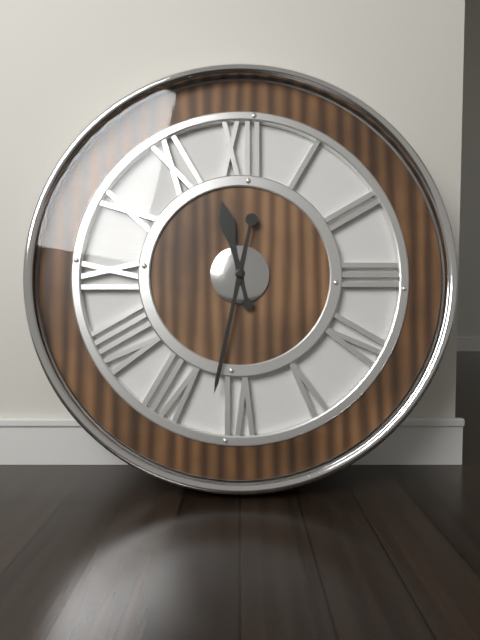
**11:32**
